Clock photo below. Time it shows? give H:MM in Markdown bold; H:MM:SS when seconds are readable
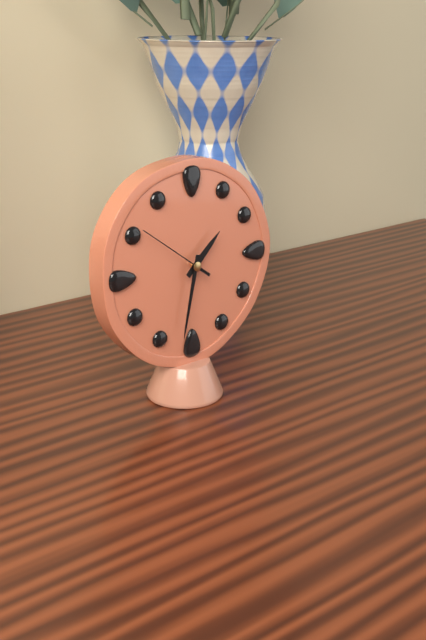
**1:32:51**
